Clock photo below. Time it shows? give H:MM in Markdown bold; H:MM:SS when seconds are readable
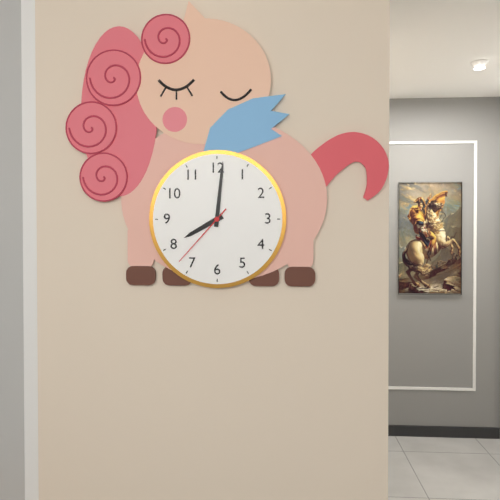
**8:01:37**
